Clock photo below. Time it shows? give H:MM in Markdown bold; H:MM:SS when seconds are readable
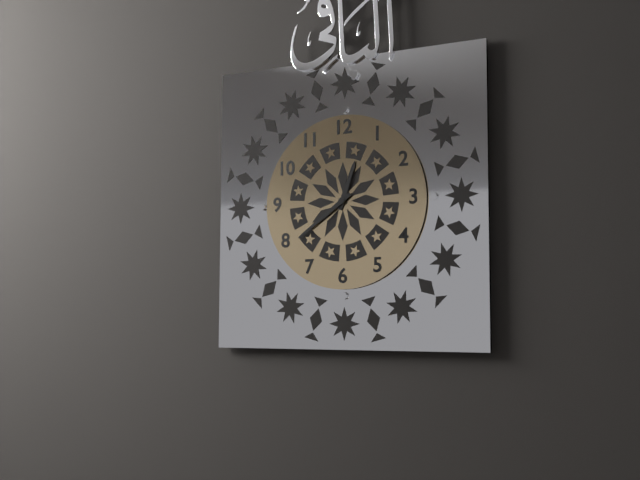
**12:39**
